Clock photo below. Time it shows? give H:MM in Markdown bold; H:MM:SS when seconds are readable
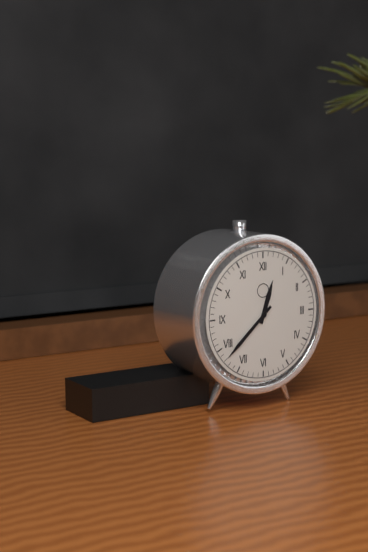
**12:38**
